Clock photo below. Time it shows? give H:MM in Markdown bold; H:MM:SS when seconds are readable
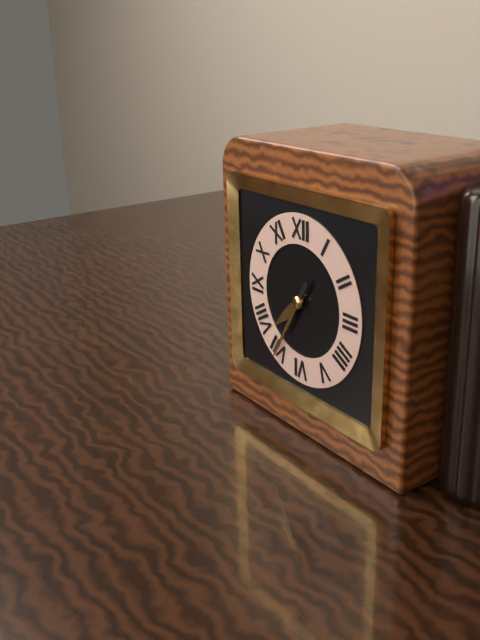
**7:35**
